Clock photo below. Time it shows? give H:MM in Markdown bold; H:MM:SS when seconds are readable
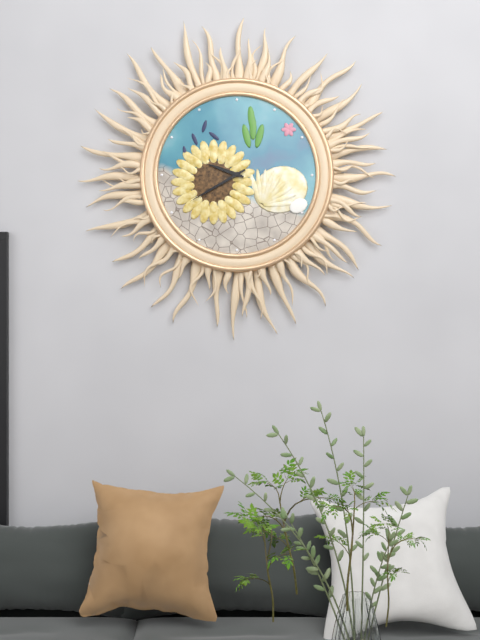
**9:40**
